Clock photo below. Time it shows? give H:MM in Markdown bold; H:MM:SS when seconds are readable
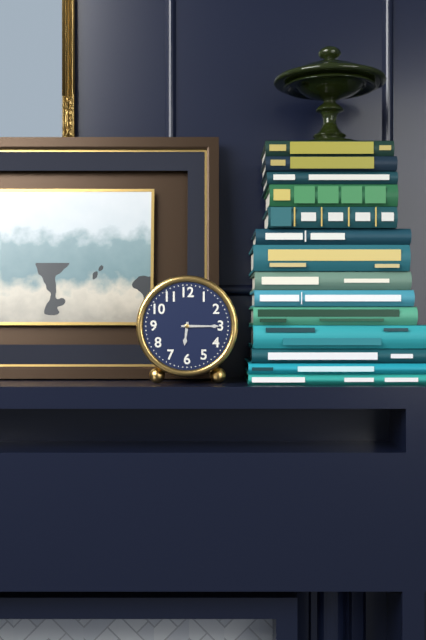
**6:15**
